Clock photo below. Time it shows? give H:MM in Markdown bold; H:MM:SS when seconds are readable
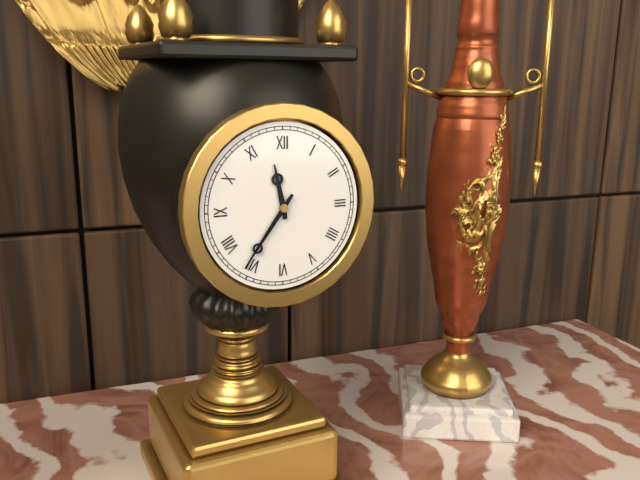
**11:36**
